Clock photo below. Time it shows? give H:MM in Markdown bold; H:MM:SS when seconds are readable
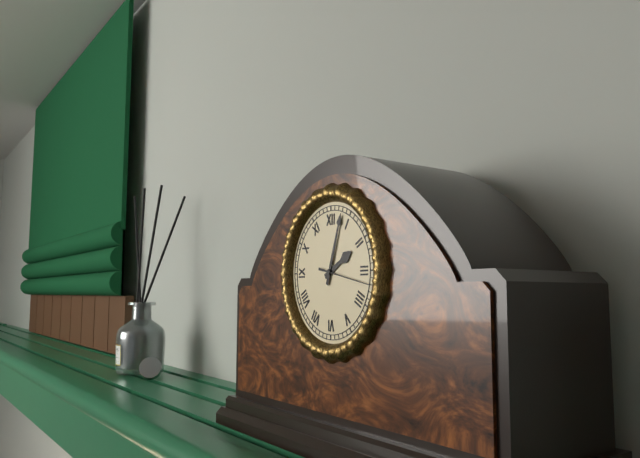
**2:03**
